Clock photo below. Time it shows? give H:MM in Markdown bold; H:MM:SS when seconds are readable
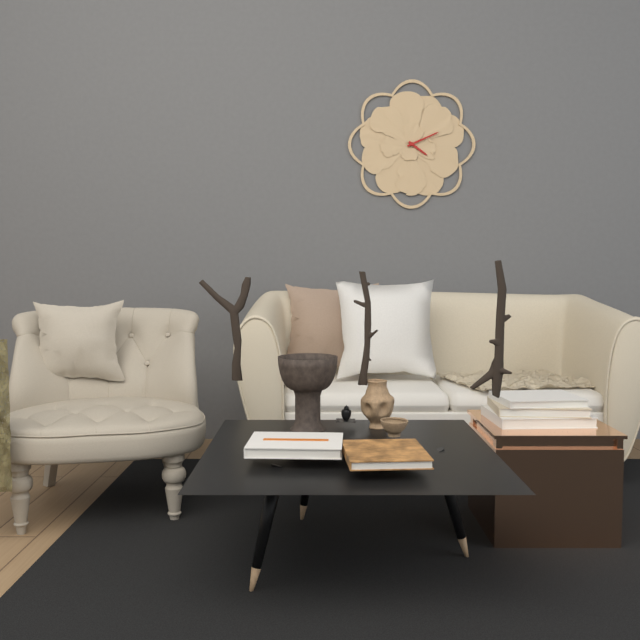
**4:11**
